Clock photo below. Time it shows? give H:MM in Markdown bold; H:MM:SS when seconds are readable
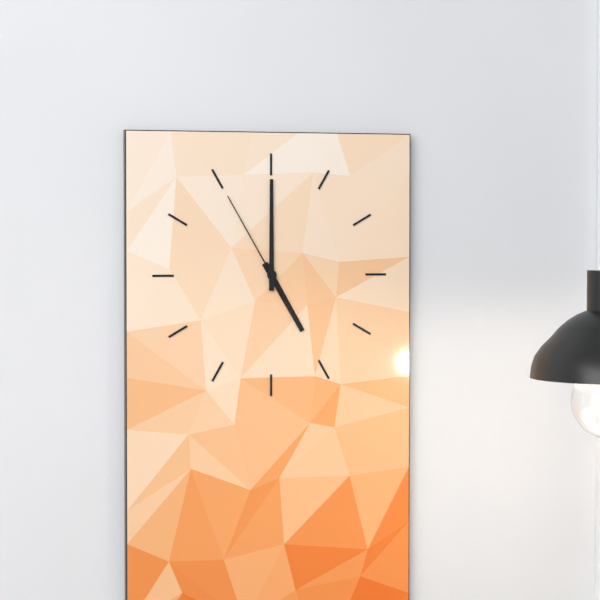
**5:00:55**
